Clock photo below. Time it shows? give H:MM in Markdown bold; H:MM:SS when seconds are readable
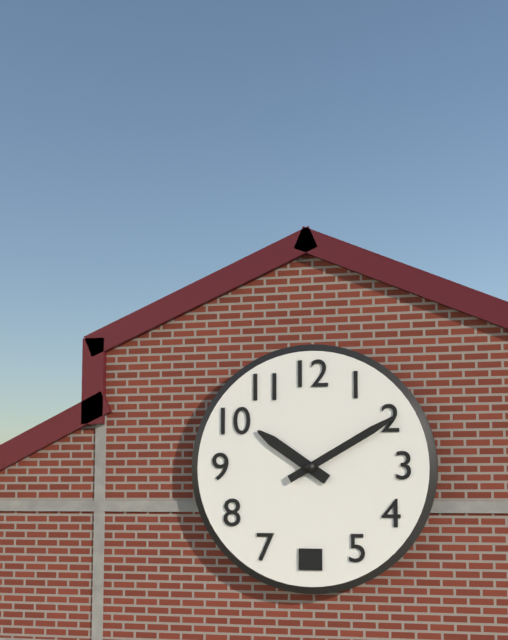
**10:10**
